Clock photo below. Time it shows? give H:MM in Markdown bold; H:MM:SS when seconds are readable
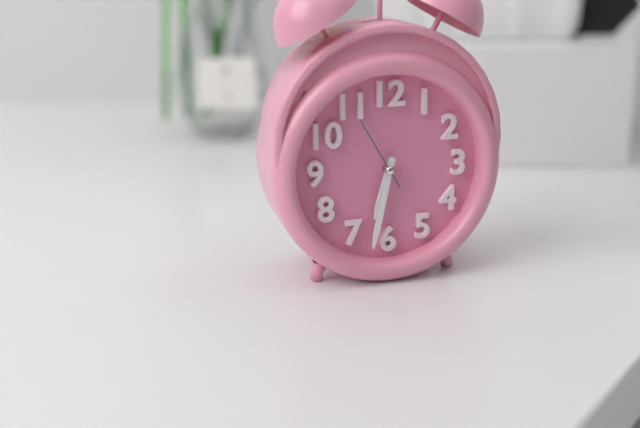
**6:32:55**
